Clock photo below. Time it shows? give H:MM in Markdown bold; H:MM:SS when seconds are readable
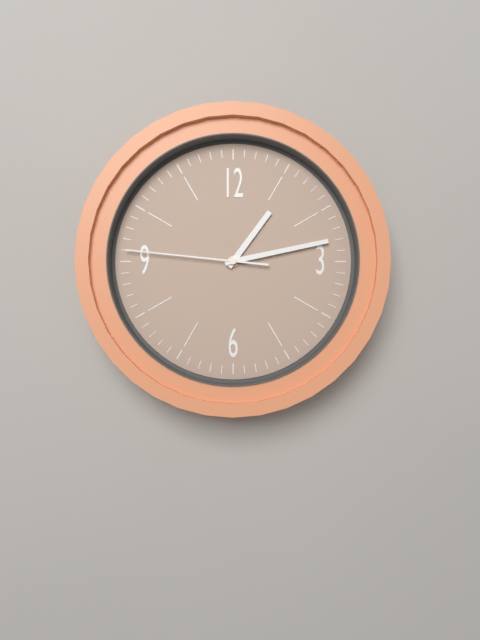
**1:13:46**
